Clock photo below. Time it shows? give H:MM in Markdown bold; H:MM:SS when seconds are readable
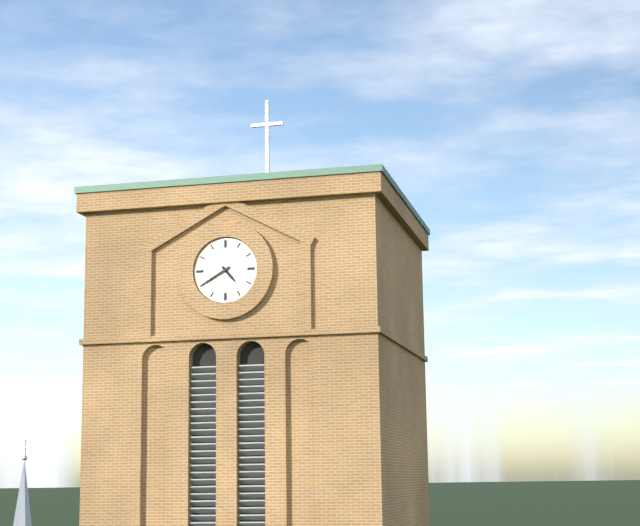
**4:40**
